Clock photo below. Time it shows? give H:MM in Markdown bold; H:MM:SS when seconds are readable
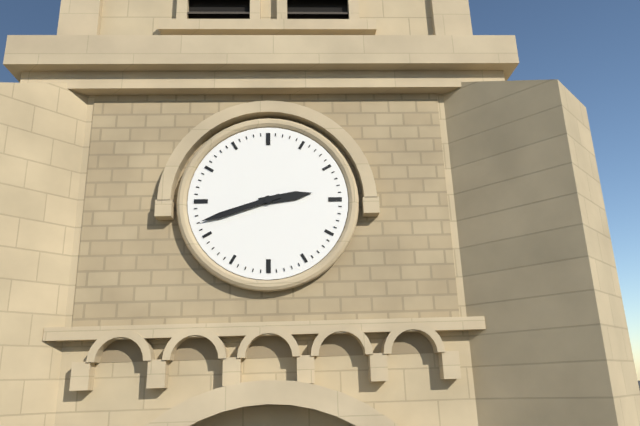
**2:42**
